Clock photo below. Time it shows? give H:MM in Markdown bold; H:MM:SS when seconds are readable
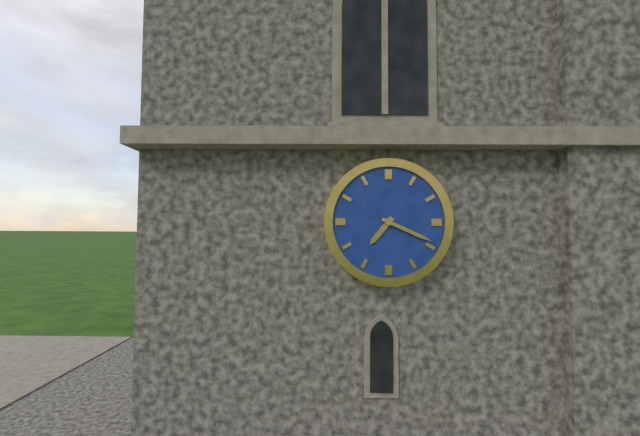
**7:19**
